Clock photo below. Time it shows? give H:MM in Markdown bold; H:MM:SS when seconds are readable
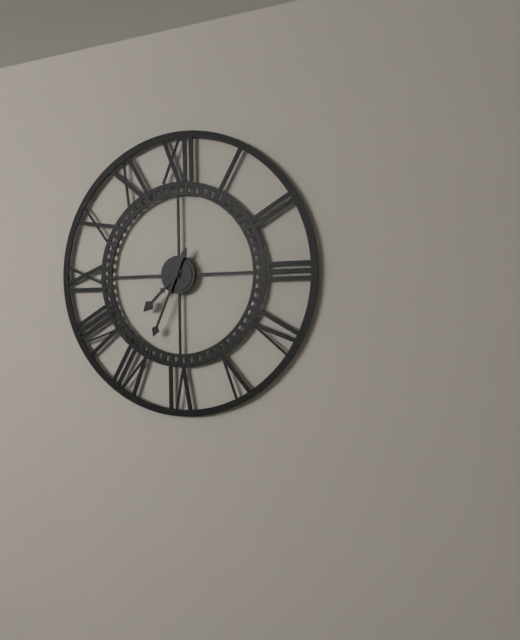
**7:34**
